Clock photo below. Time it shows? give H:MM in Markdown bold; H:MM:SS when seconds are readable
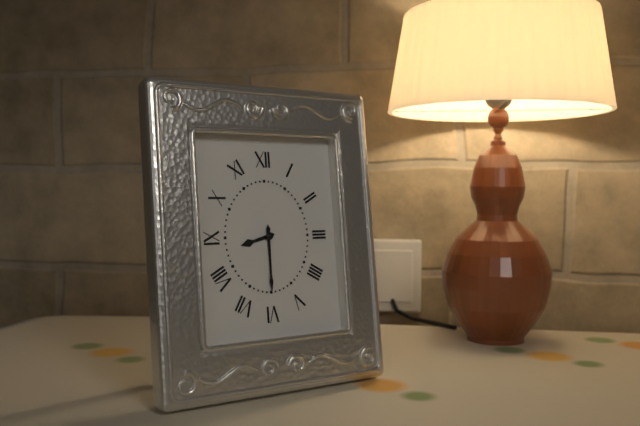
**8:30**
